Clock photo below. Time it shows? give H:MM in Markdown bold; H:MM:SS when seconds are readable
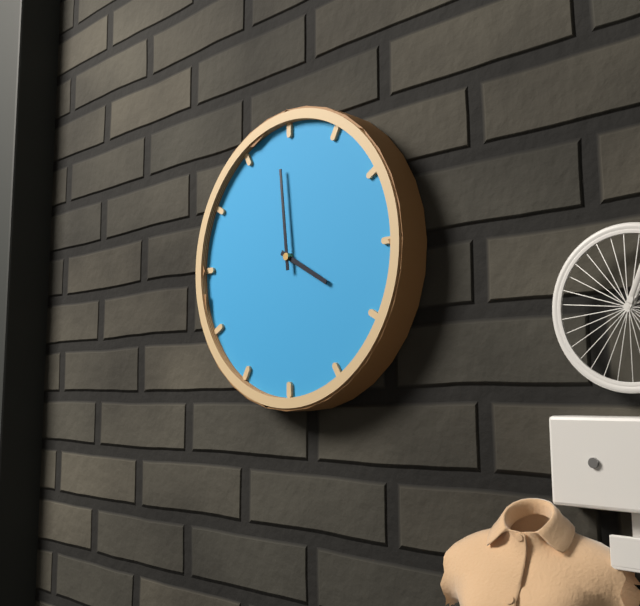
**3:59**
